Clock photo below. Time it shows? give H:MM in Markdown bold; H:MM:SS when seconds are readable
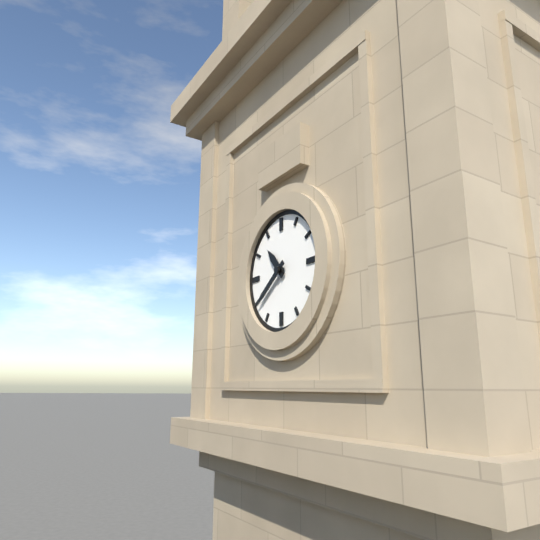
**10:39**
